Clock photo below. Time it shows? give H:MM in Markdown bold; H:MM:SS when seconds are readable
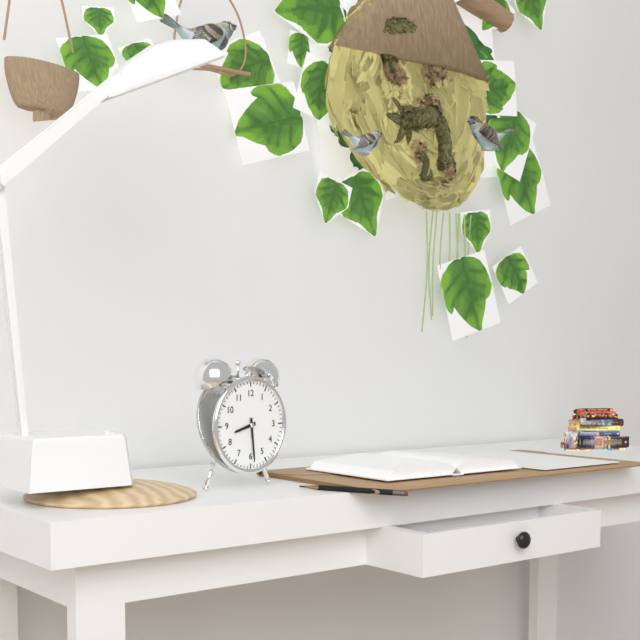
**8:29**
